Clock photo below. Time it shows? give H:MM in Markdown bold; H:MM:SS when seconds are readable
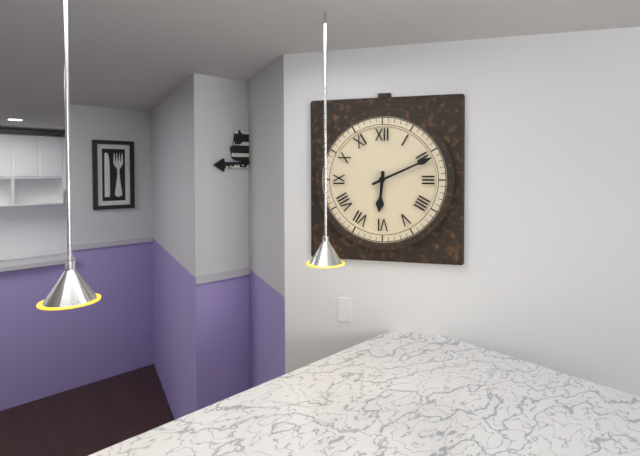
**6:11**
